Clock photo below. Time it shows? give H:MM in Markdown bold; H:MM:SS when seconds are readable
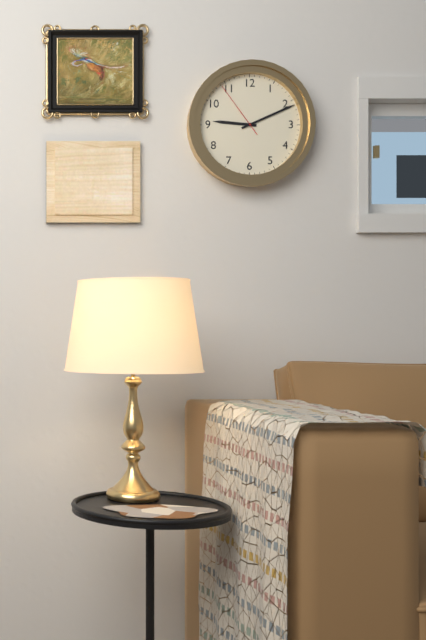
**9:11:54**
